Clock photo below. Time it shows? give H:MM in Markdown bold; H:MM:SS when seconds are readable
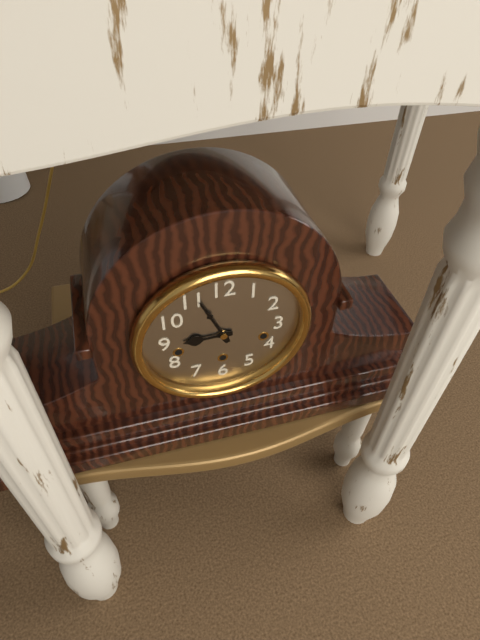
**8:56**
